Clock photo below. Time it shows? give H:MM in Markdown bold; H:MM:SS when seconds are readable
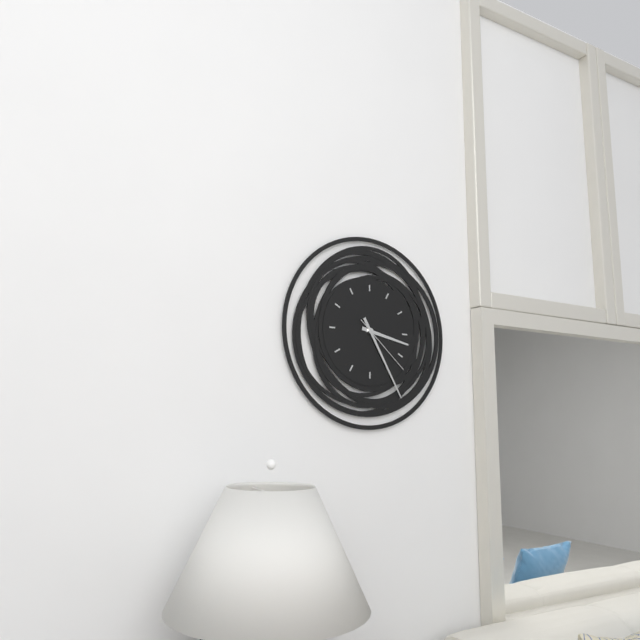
**3:25:22**
